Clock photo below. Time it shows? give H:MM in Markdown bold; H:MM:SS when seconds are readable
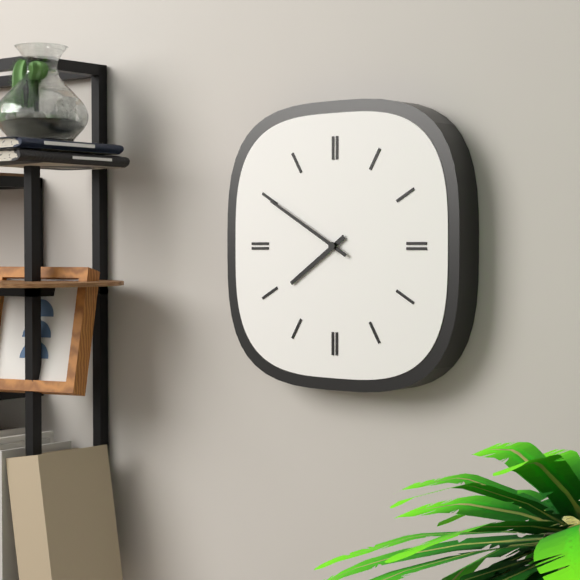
**7:50**
